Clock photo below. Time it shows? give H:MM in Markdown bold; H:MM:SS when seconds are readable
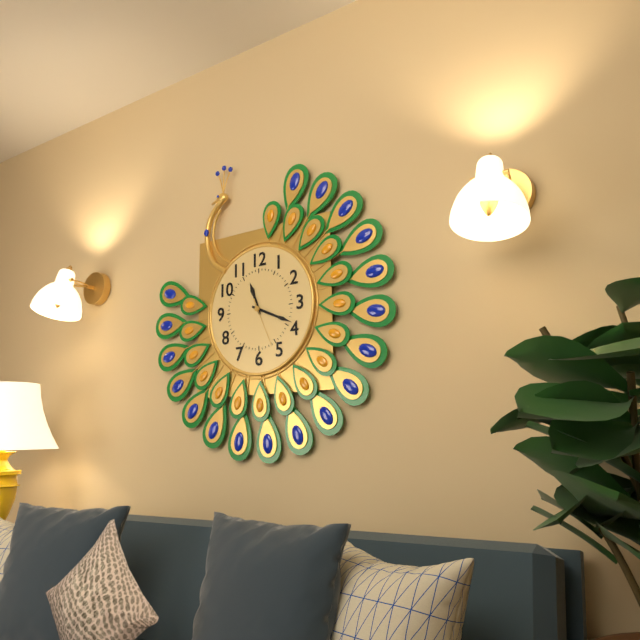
**11:19:26**
